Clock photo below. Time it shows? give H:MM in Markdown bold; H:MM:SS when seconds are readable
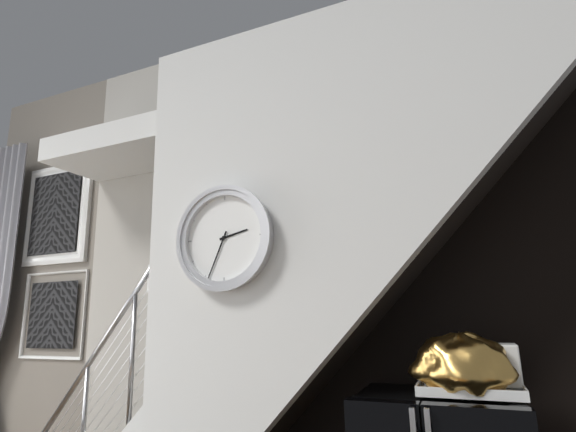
**2:34**
